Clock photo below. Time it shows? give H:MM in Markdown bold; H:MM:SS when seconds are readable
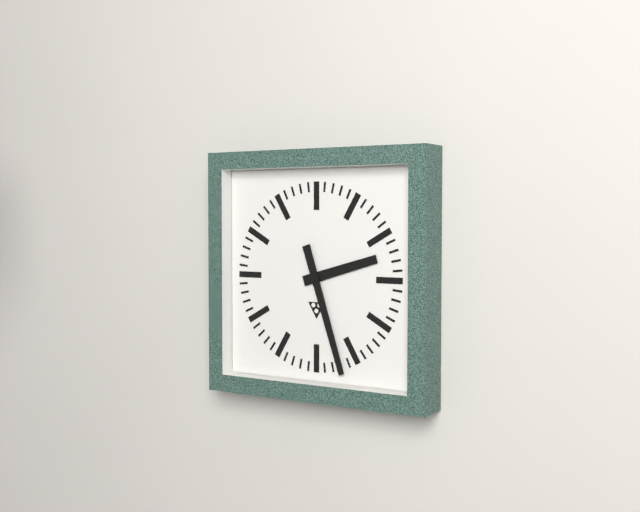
**2:27**
